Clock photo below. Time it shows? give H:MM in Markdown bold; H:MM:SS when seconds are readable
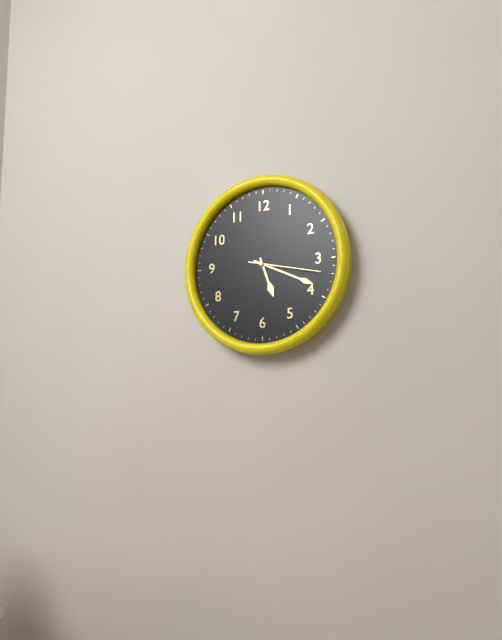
**5:19:17**
